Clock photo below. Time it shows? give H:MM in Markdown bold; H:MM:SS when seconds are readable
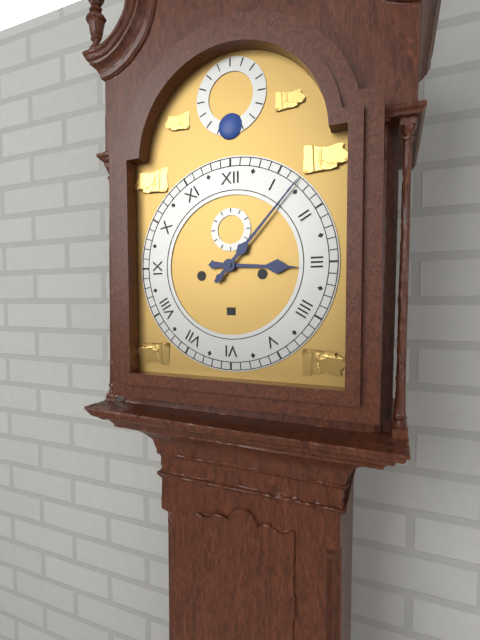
**3:07**
